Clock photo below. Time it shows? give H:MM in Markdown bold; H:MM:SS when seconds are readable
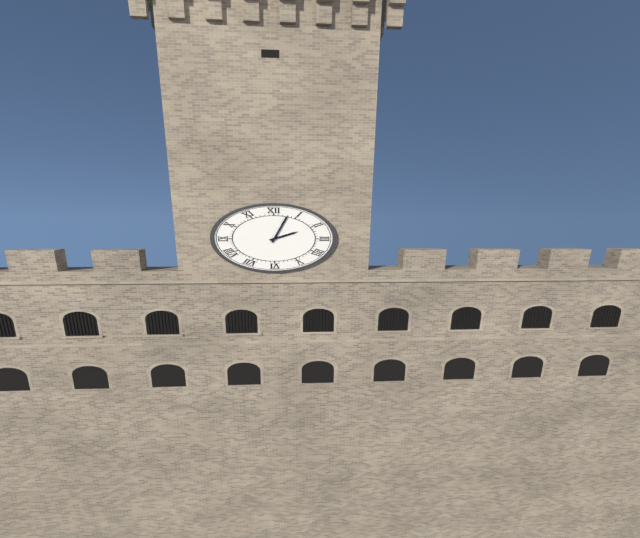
**2:03**
